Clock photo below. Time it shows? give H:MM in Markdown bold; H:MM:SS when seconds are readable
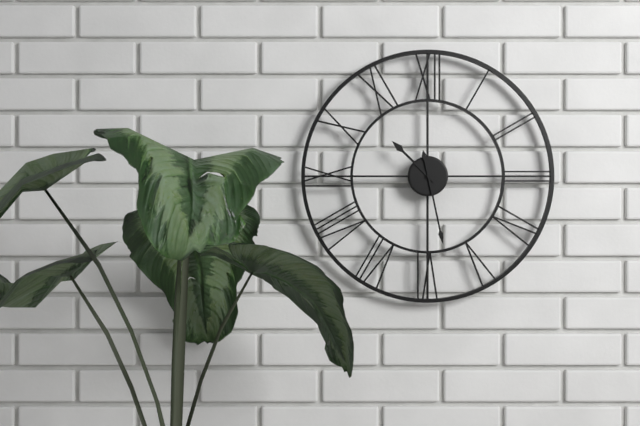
**10:28**
